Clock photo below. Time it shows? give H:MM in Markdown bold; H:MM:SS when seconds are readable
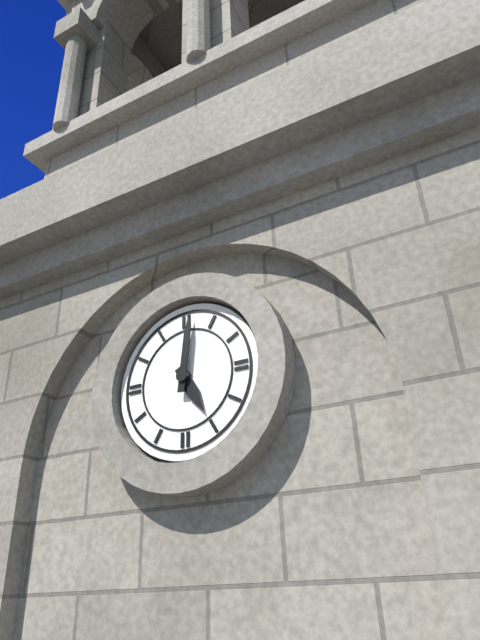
**5:01**
